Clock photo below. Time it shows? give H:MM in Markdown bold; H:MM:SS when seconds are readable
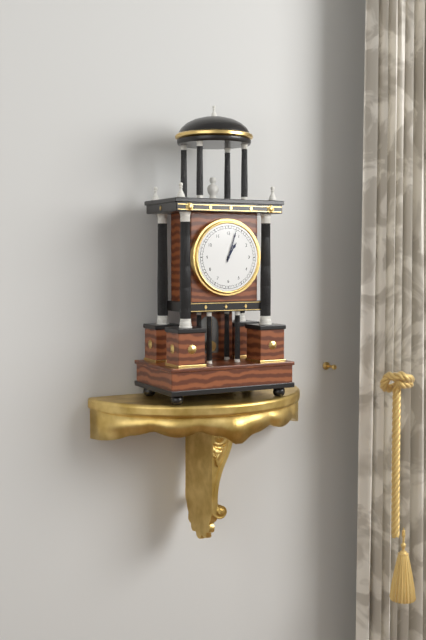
**1:03**
